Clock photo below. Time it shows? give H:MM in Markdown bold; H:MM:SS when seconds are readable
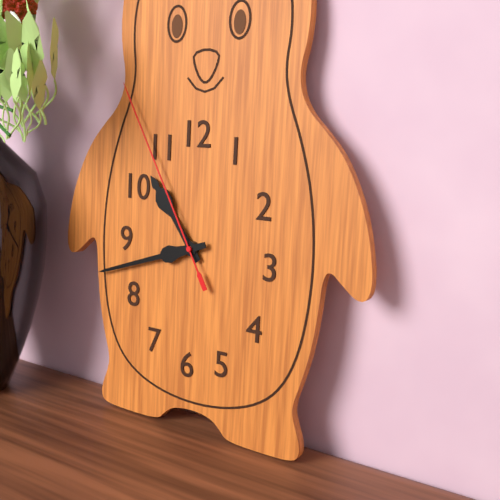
**10:42:55**
